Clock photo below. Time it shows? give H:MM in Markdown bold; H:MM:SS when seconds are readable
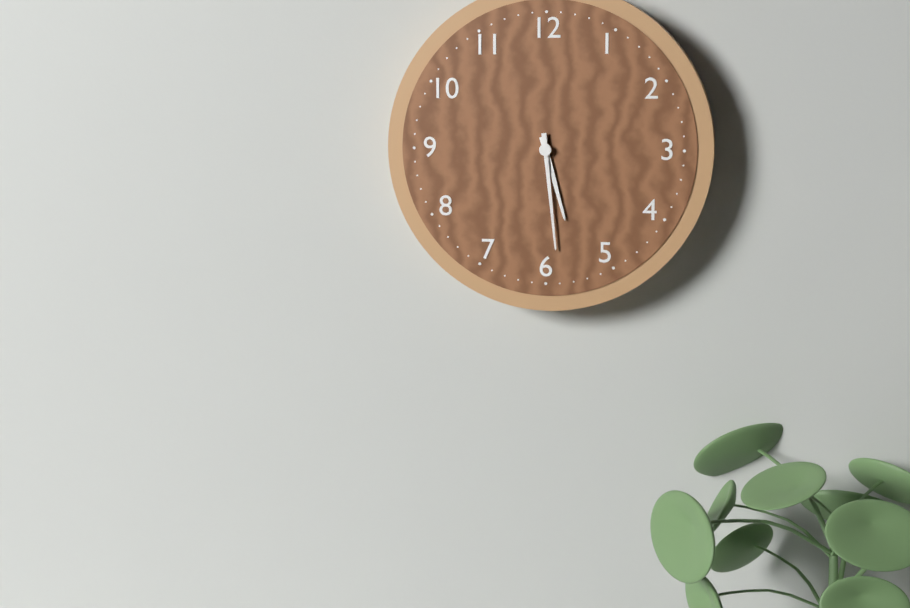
**5:29**
